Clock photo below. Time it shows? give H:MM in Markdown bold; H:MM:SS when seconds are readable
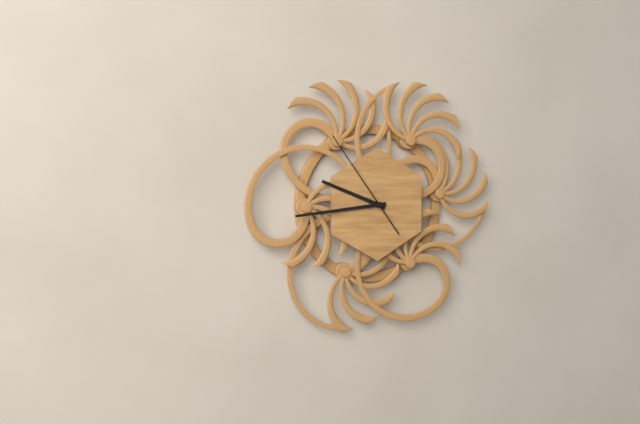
**9:44:54**
